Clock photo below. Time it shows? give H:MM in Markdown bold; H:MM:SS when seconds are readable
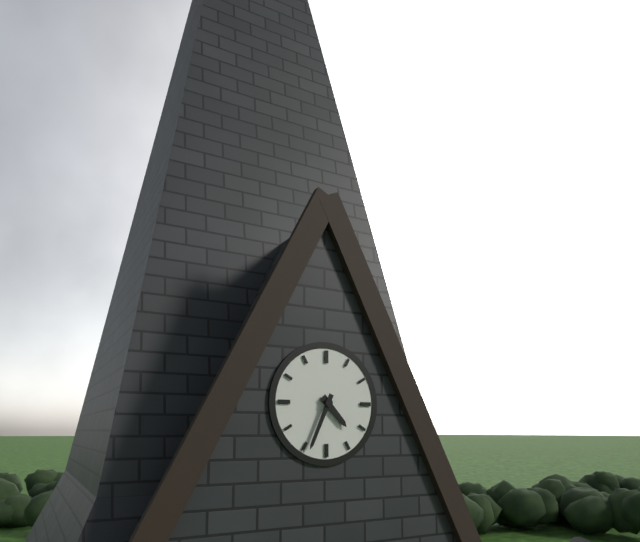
**4:34**
